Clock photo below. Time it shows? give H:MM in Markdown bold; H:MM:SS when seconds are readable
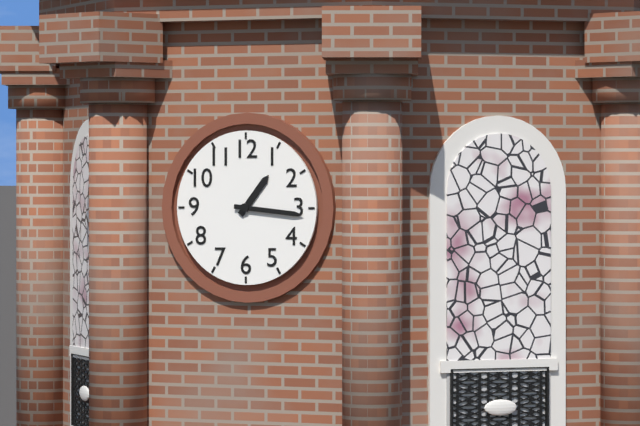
**1:16**
